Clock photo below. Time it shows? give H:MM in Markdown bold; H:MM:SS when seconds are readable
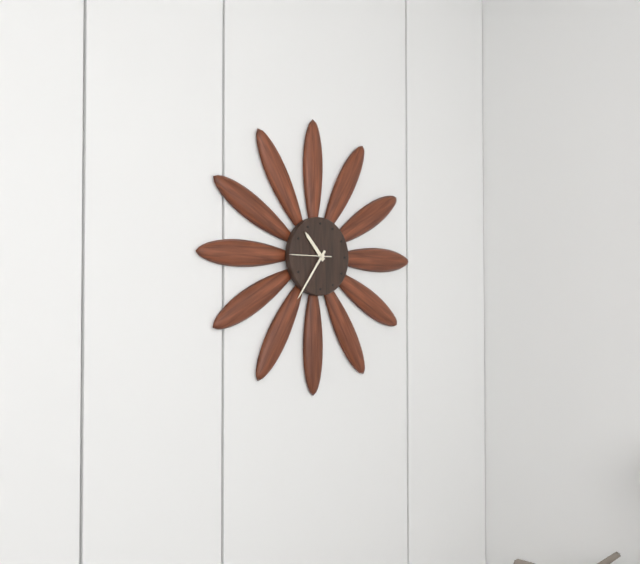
**10:36**
